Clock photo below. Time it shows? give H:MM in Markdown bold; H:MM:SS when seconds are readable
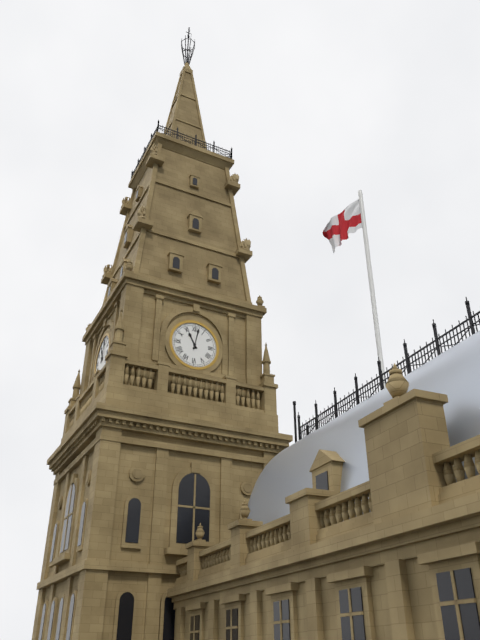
**11:02**
